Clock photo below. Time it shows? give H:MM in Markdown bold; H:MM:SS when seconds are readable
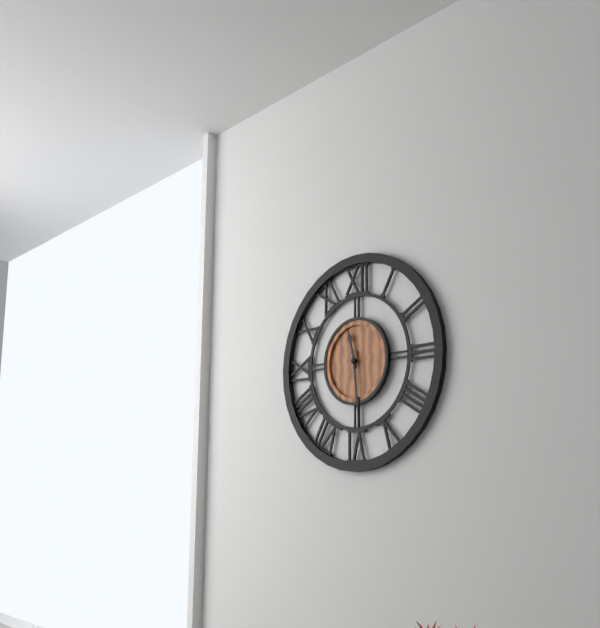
**11:29**
